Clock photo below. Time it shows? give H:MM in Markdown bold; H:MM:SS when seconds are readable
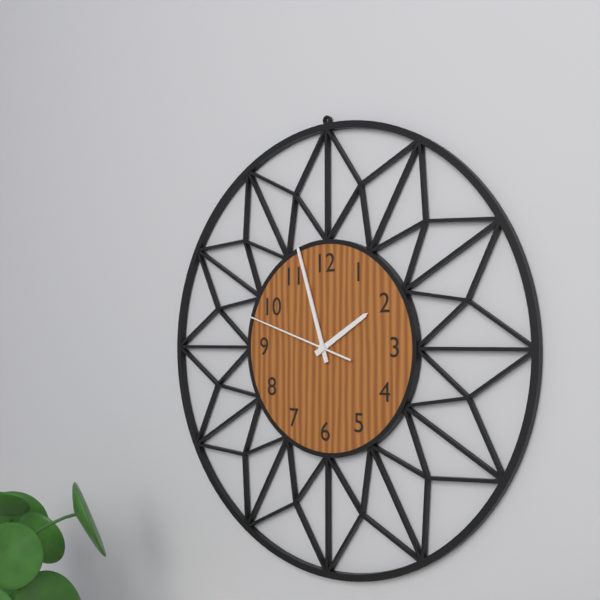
**1:57:48**
